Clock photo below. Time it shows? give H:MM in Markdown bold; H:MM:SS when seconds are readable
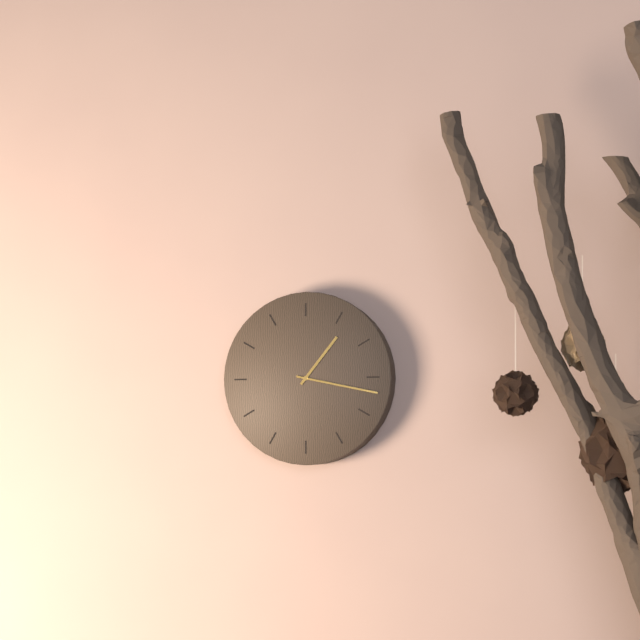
**1:17**
